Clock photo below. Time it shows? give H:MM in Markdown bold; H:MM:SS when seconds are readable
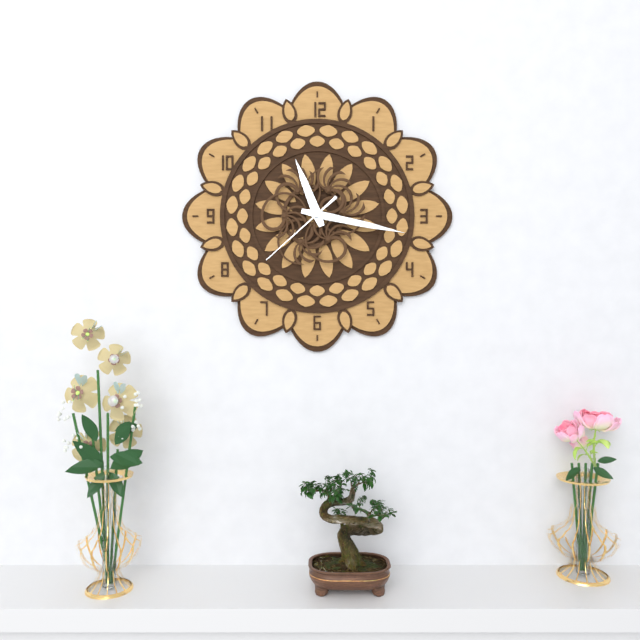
**11:17:38**
